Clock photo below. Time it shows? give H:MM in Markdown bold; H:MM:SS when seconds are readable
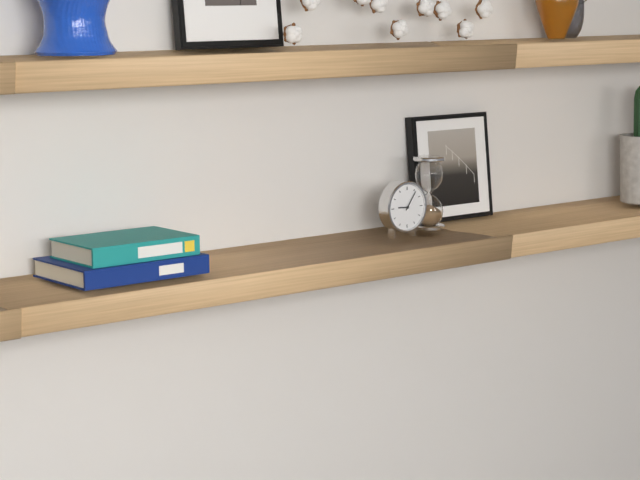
**9:06**
